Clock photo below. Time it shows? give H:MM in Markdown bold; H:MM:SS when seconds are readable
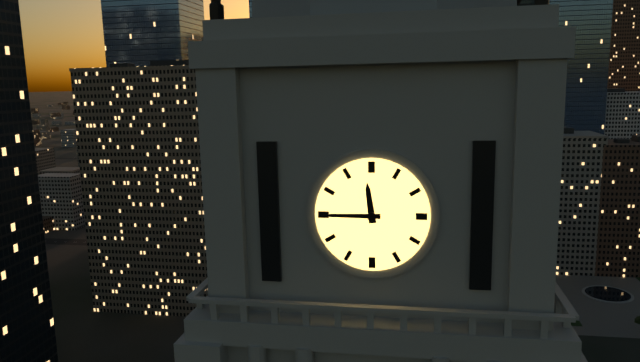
**11:45**
